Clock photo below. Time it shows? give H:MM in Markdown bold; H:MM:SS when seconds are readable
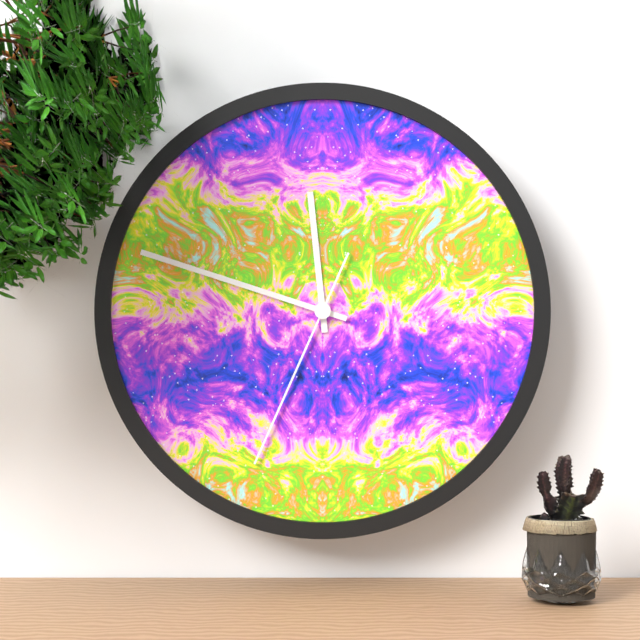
**11:48:34**
